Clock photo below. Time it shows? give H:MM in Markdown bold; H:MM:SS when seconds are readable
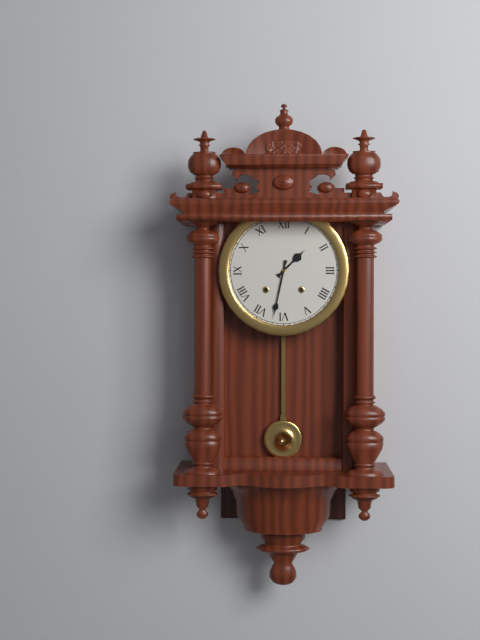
**1:32**
